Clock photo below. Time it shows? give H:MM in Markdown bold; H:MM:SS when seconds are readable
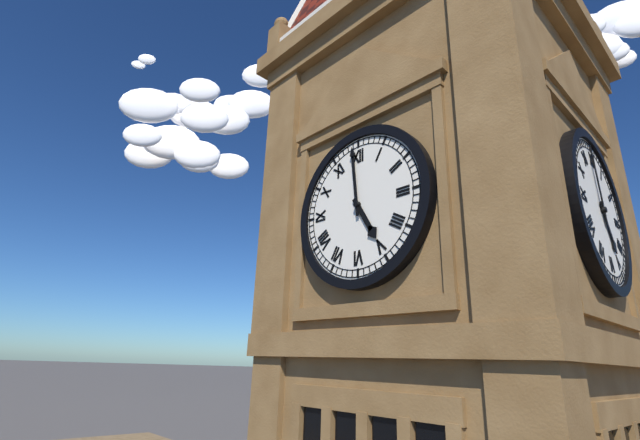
**4:59**
